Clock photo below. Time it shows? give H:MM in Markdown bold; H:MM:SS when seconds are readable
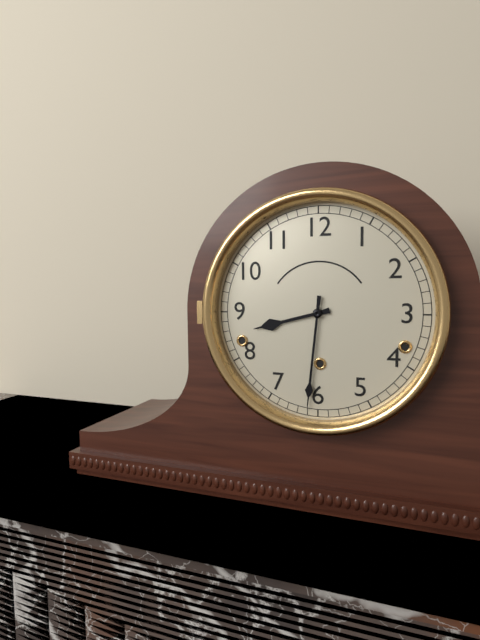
**8:31**
